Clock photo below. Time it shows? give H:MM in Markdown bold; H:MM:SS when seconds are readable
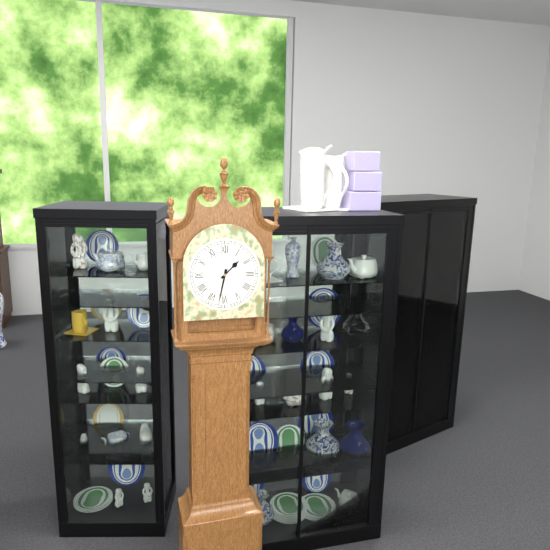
**1:32**
